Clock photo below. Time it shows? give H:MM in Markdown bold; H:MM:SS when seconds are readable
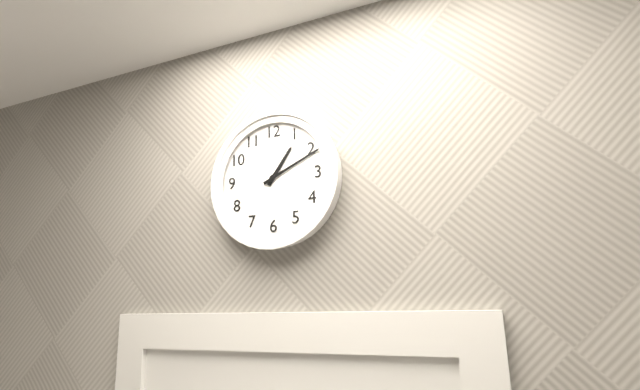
**1:11**
